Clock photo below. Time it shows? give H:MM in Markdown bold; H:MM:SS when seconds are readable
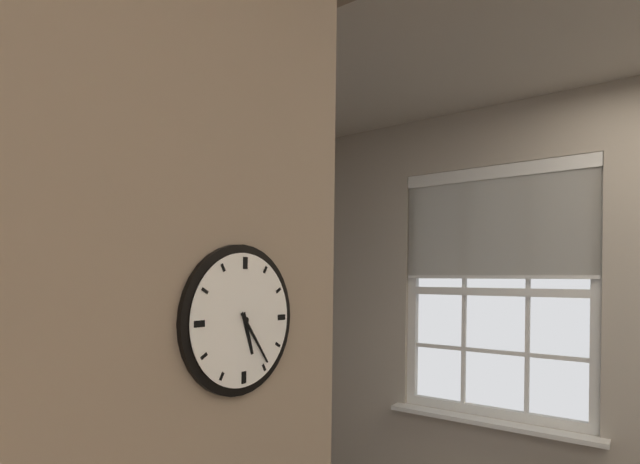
**5:24**
